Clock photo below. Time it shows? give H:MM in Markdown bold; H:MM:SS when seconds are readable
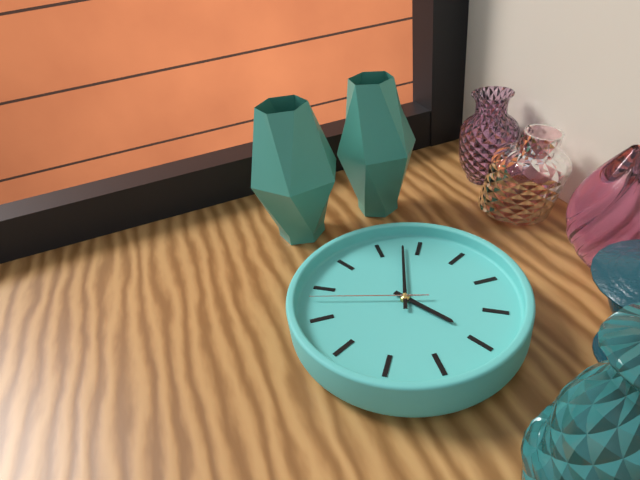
**2:53:38**
